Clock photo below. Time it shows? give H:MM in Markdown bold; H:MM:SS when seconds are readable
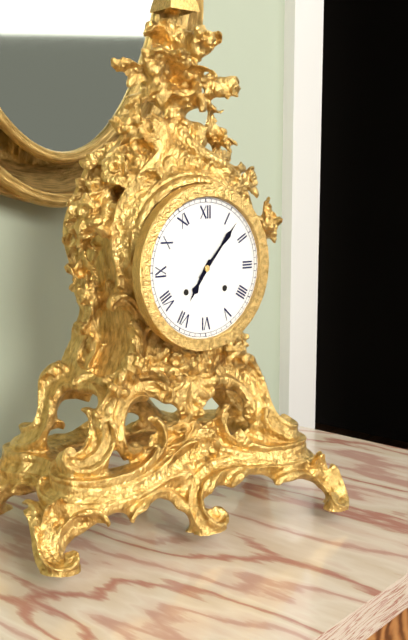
**7:07**
